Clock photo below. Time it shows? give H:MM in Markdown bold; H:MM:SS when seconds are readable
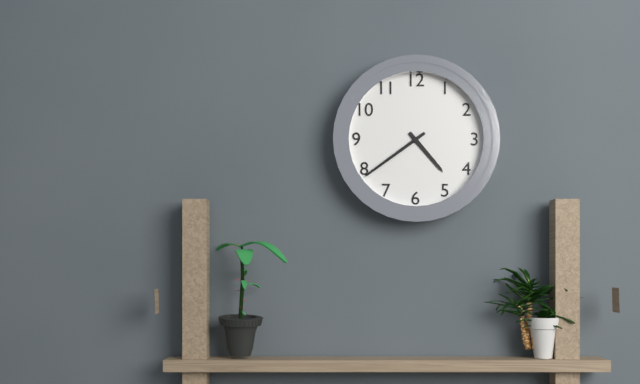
**4:39**
